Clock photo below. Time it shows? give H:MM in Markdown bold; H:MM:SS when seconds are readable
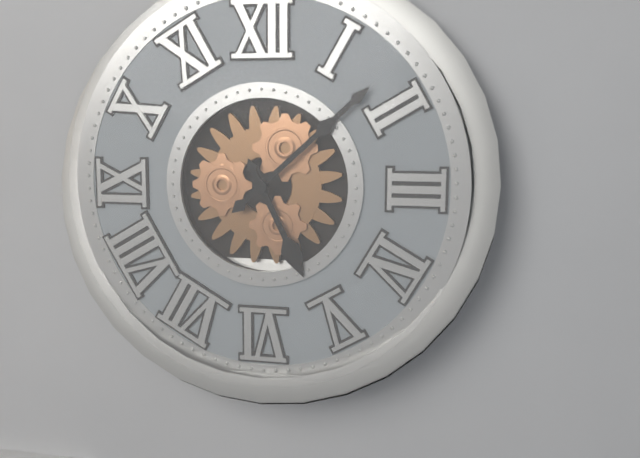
**5:08**
